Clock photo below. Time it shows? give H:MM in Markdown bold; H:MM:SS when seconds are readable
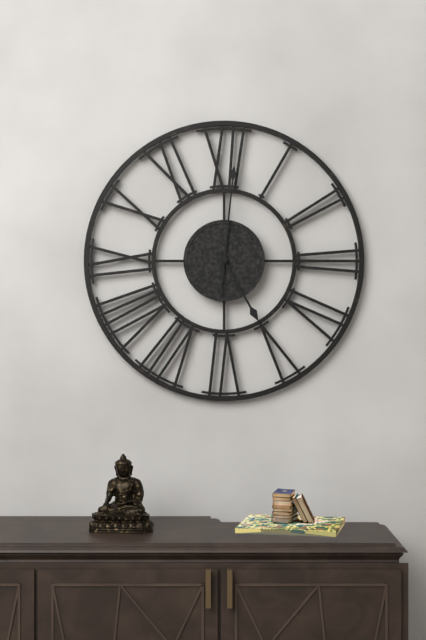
**5:01**
